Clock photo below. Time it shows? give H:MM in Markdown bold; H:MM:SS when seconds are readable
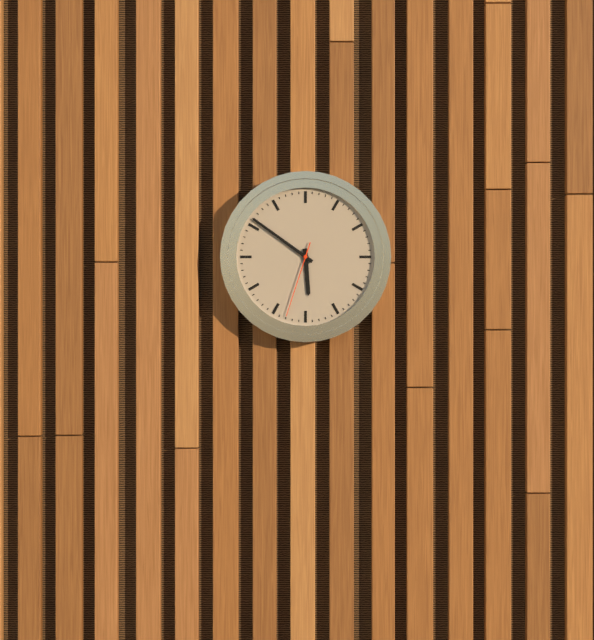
**5:51:33**
